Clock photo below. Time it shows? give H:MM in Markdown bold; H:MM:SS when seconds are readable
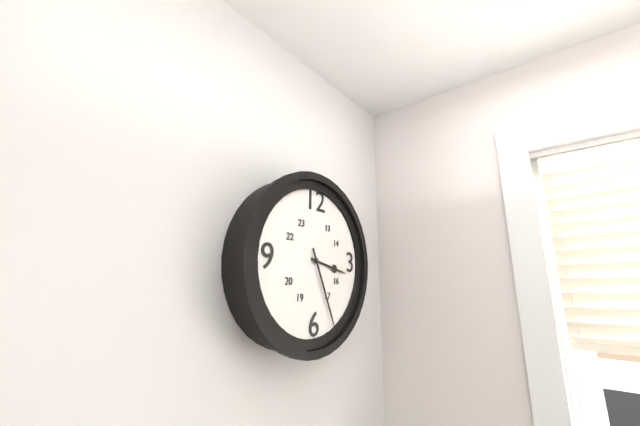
**3:26**
